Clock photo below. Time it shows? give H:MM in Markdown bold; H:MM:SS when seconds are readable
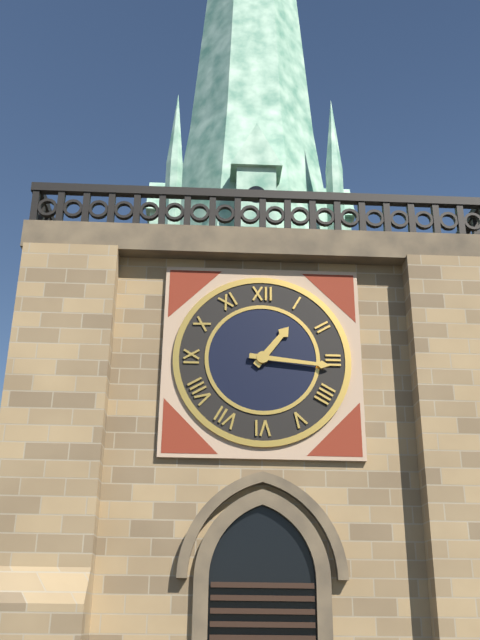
**1:16**
